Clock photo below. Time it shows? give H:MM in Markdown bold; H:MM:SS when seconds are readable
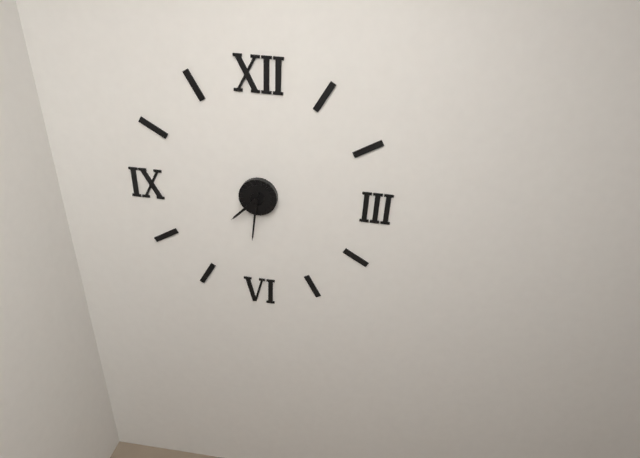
**7:31**
